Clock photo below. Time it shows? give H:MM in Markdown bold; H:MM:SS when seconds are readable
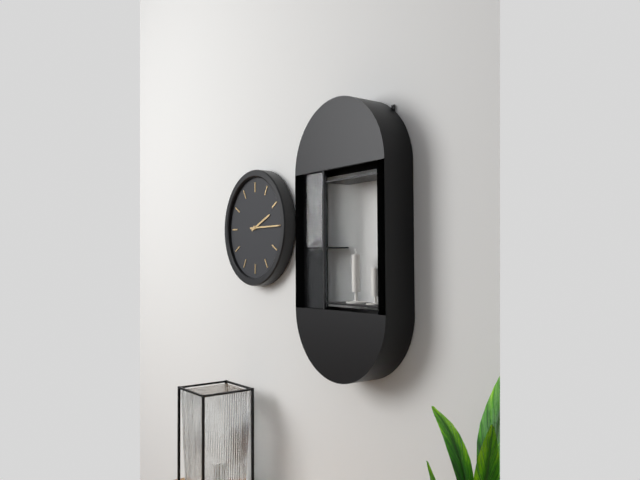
**2:15**
